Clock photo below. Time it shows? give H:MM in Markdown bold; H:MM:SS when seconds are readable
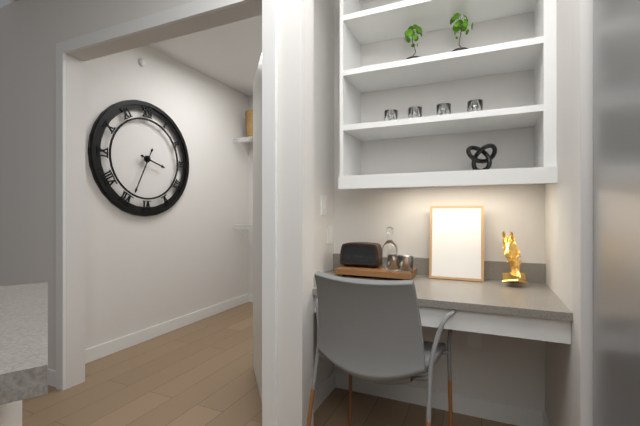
**3:34**
